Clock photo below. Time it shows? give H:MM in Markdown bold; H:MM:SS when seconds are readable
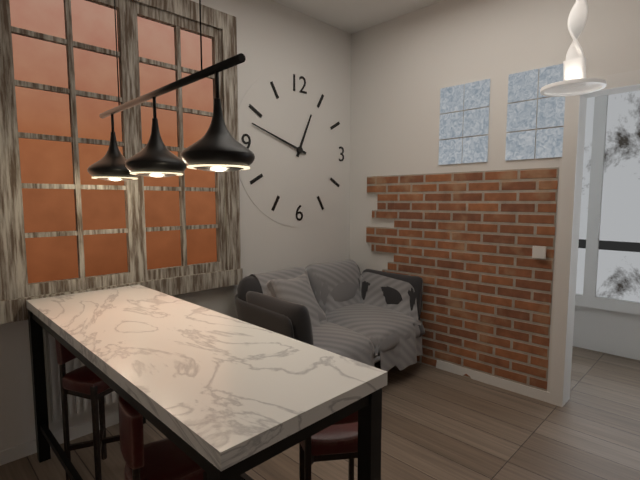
**12:48**
